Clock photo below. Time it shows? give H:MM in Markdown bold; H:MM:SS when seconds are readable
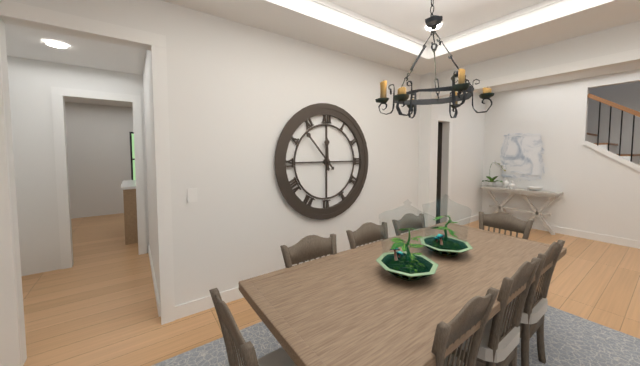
**11:53**
